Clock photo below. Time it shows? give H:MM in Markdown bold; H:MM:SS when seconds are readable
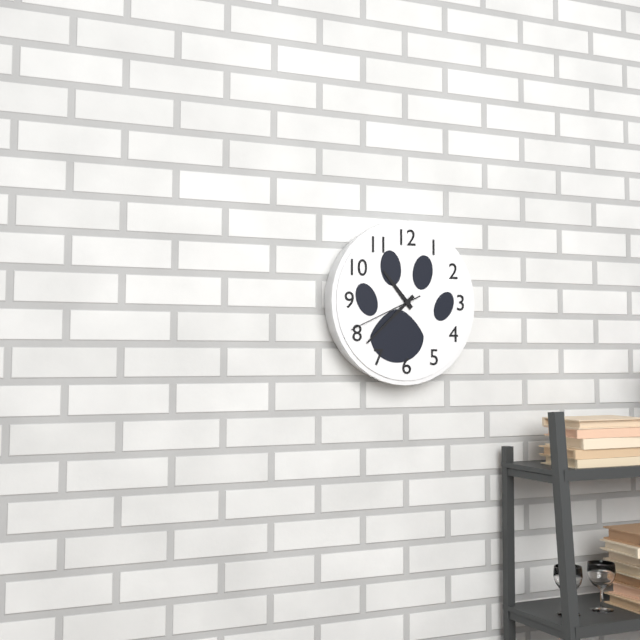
**10:38:41**
